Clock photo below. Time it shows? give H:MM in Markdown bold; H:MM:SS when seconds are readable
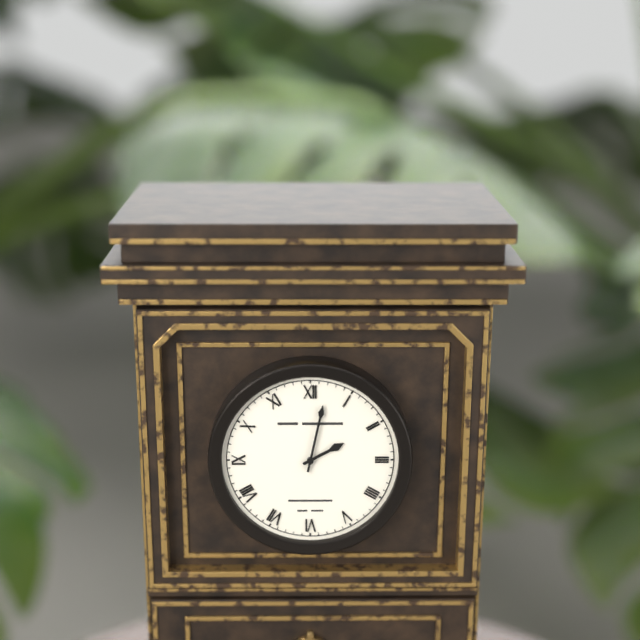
**2:02**
